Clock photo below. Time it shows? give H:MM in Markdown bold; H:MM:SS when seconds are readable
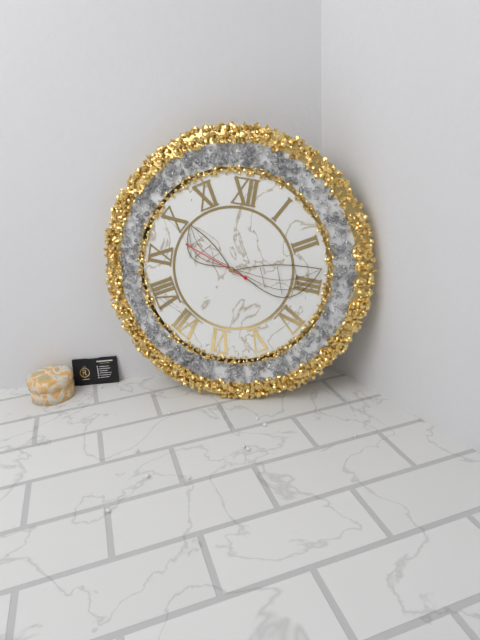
**10:13:48**
